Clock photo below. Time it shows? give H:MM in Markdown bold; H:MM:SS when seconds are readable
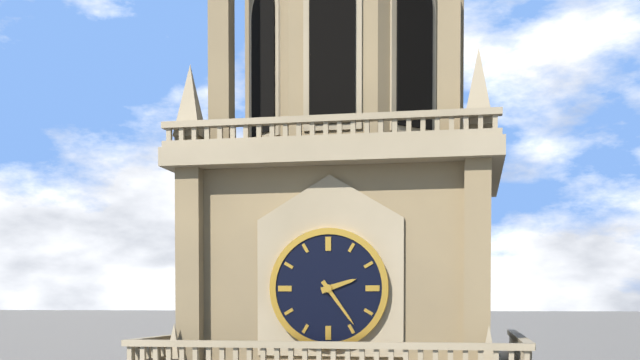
**2:24**
